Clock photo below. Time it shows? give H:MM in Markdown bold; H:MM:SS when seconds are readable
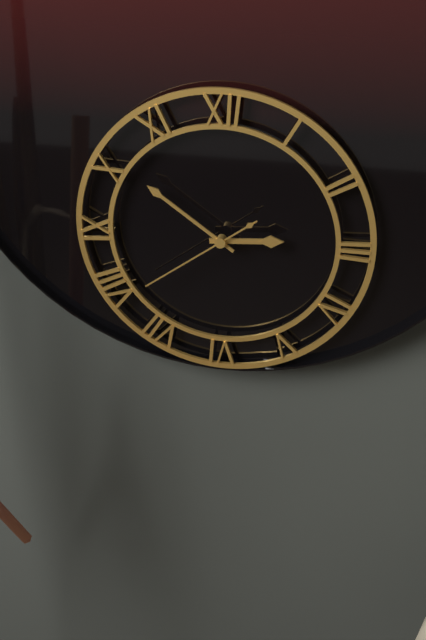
**2:51:39**
